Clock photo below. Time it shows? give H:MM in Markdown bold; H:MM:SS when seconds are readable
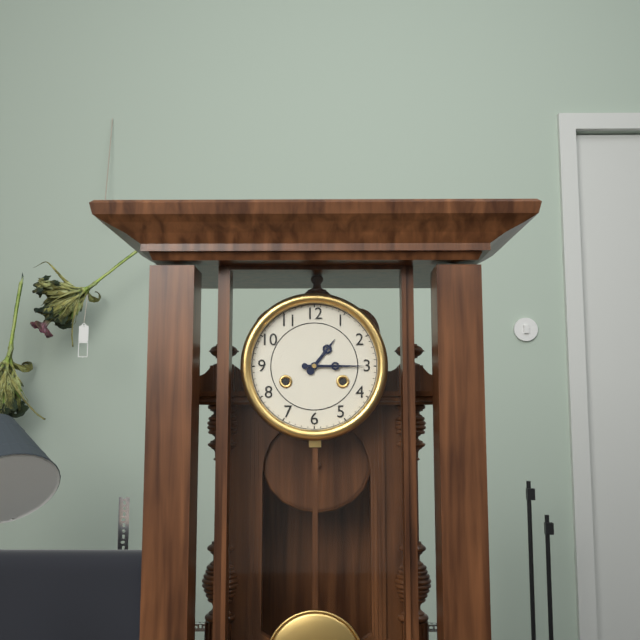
**1:15**
